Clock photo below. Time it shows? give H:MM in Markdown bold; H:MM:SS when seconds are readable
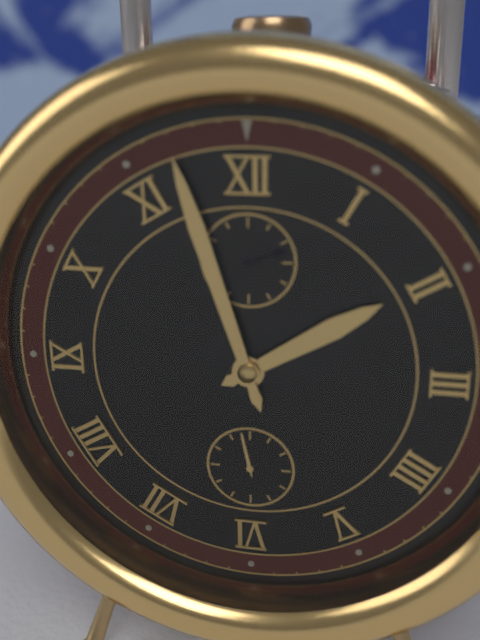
**1:57**
